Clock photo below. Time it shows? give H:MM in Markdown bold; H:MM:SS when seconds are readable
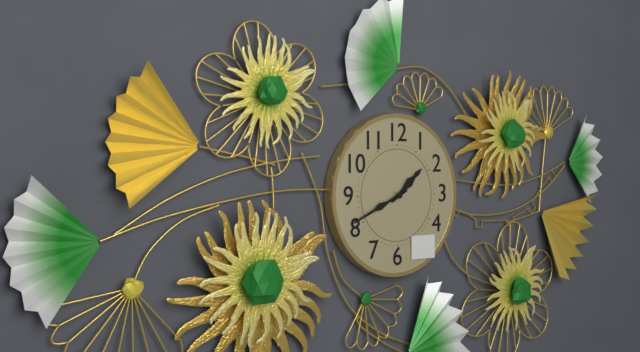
**1:41**
